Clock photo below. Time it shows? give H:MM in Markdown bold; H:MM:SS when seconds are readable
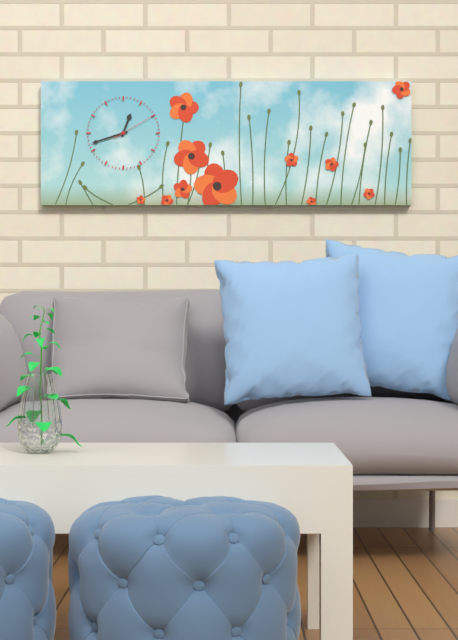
**12:42**
